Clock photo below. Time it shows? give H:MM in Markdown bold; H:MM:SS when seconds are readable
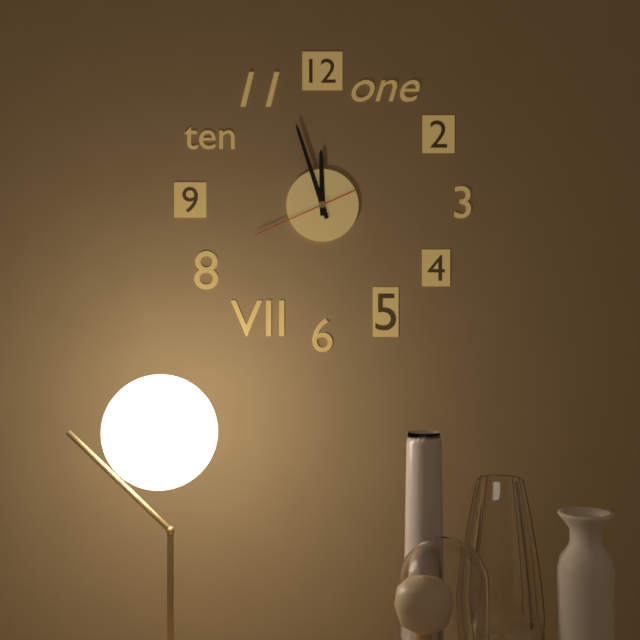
**11:57:41**
